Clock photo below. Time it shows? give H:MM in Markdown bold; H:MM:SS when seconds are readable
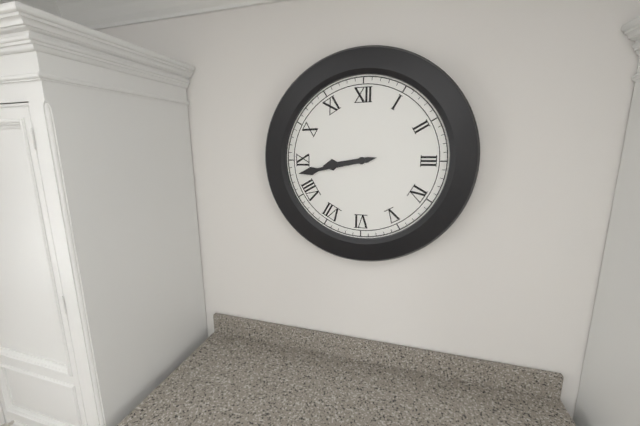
**8:43**
